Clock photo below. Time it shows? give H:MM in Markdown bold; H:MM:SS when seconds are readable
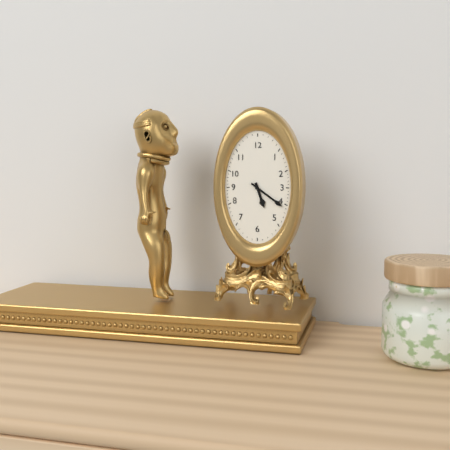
**5:21**
